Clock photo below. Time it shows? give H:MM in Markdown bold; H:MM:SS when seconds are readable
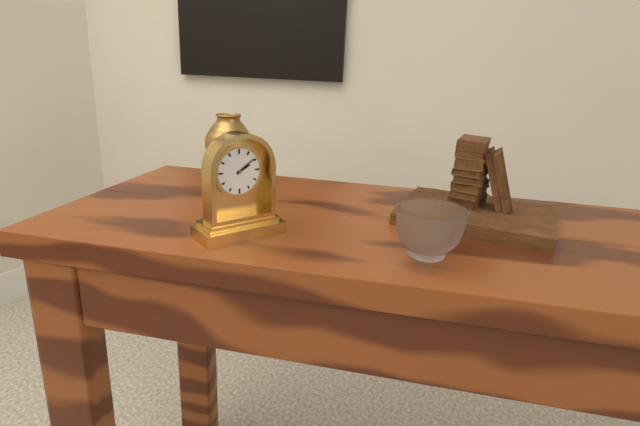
**2:09**
